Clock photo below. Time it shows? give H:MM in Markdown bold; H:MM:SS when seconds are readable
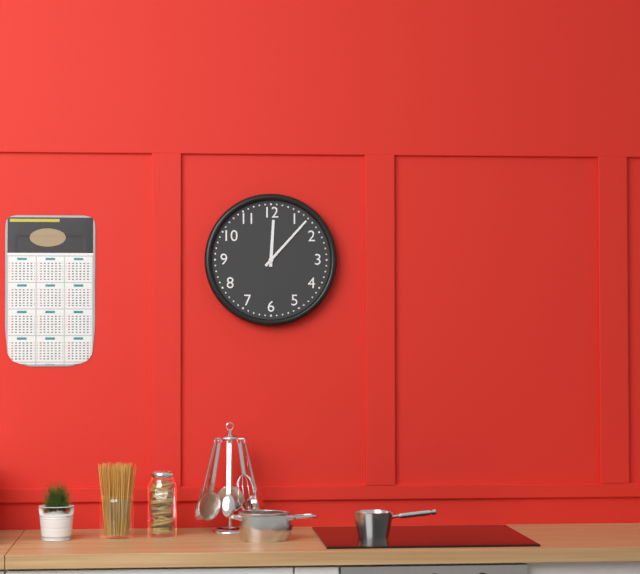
**12:07**
